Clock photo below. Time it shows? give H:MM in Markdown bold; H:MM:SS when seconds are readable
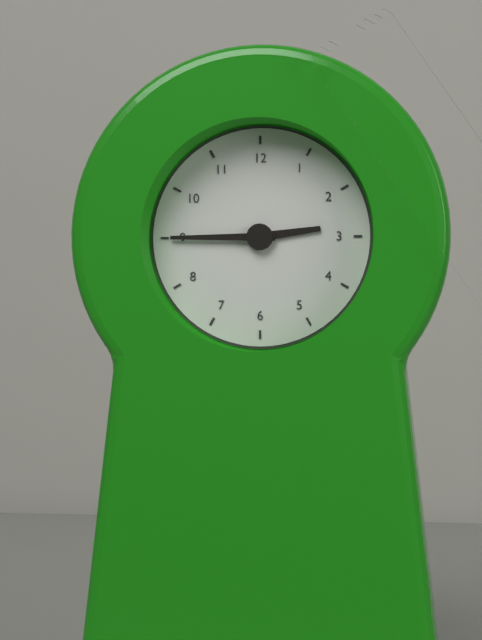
**2:45**
